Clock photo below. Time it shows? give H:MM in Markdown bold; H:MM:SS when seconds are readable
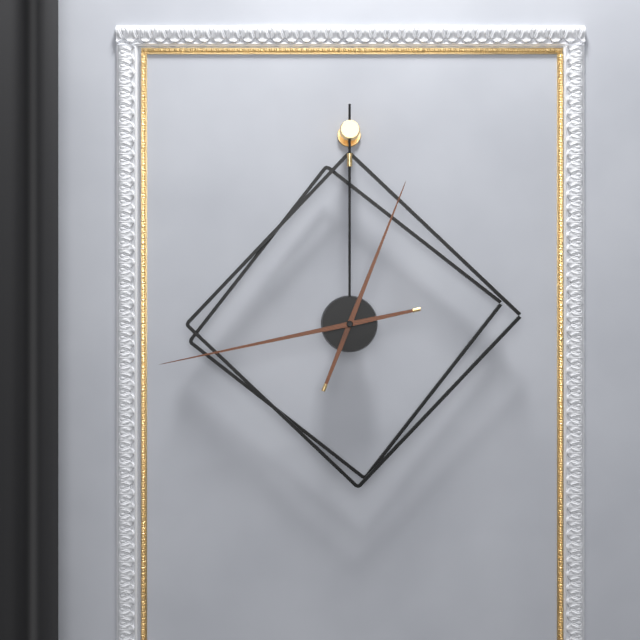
**12:43**
